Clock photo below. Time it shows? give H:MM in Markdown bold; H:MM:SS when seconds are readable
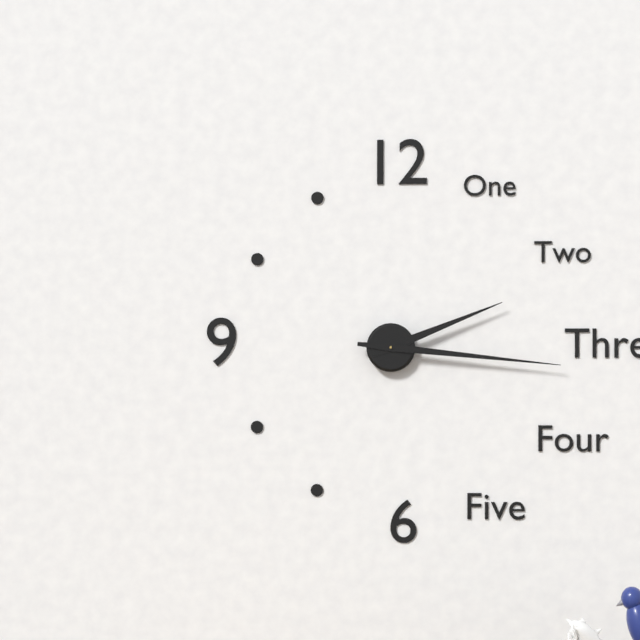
**2:16**
